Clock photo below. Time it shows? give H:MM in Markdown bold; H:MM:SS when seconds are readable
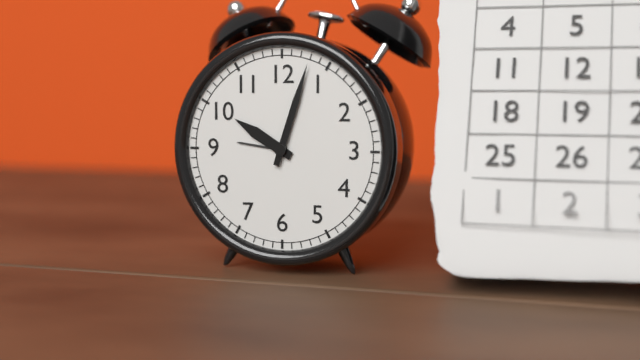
**10:03**
